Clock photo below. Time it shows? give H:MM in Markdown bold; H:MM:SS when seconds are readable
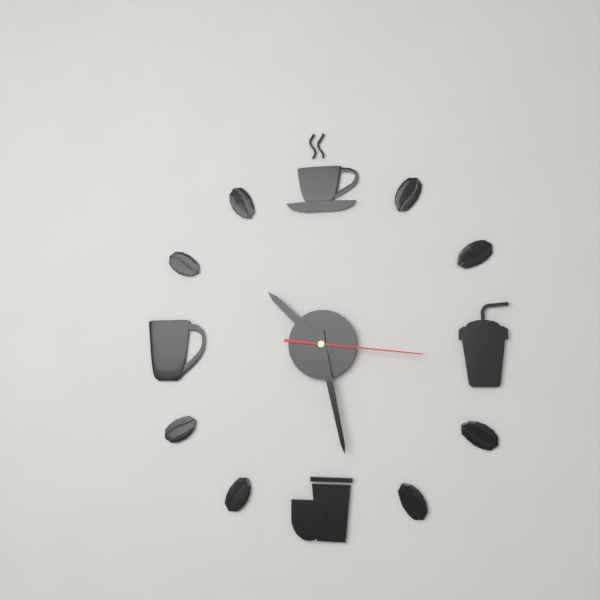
**10:28:16**
